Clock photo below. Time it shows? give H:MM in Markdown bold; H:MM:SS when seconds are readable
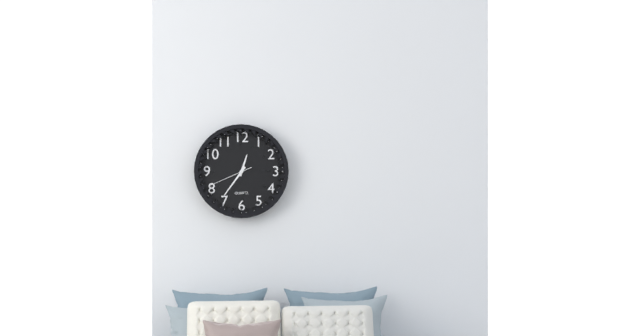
**12:36**
